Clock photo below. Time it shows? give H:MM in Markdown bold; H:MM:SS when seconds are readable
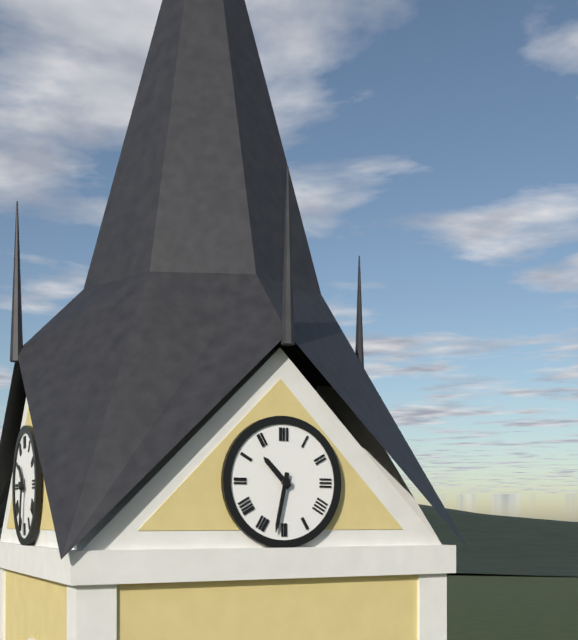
**10:32**
